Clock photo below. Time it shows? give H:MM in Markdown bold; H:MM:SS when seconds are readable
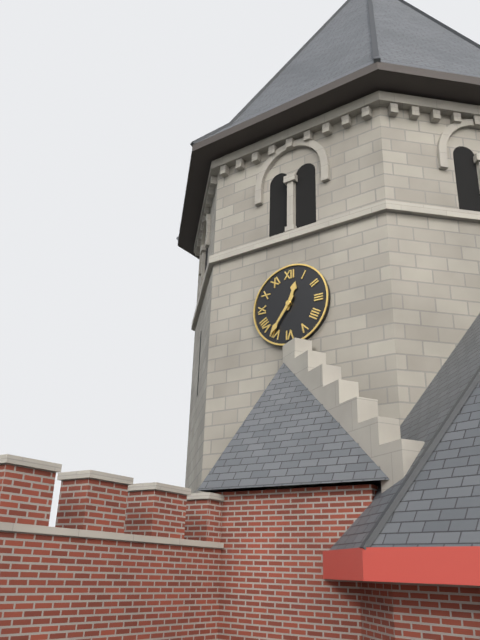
**12:36**
